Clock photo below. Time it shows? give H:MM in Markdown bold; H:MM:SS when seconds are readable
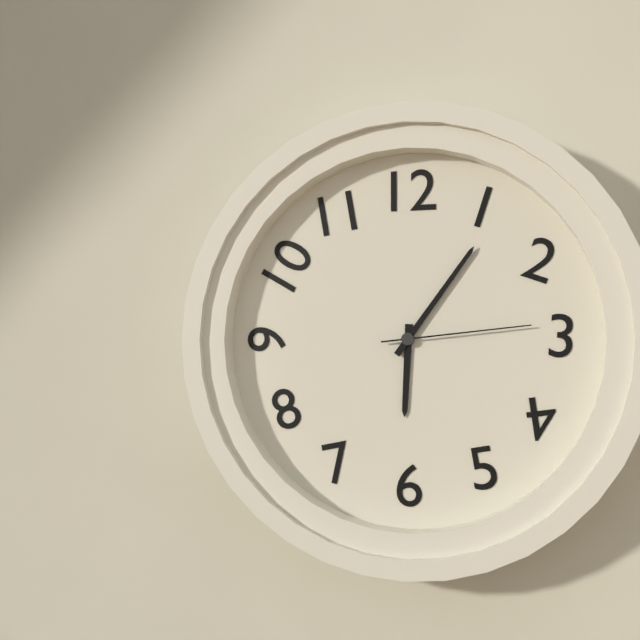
**6:06:14**
